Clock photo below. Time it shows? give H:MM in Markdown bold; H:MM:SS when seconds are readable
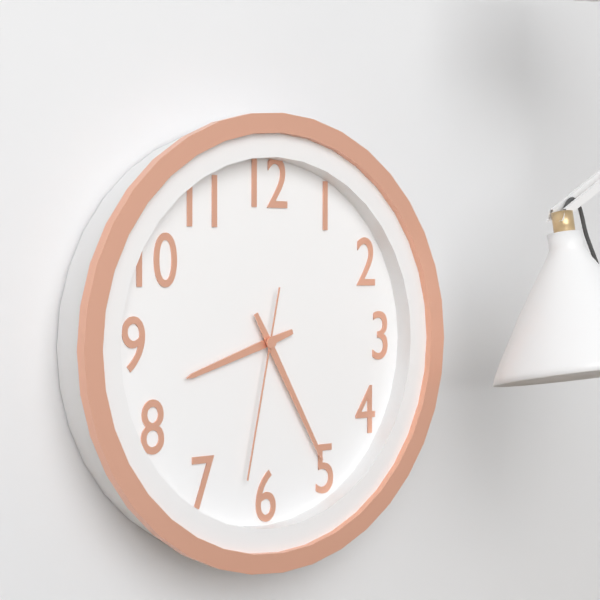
**8:25:32**
